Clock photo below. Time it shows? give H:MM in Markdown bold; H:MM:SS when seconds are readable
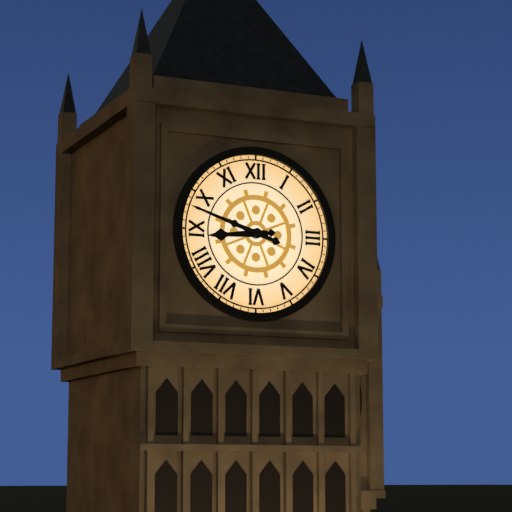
**8:48**
